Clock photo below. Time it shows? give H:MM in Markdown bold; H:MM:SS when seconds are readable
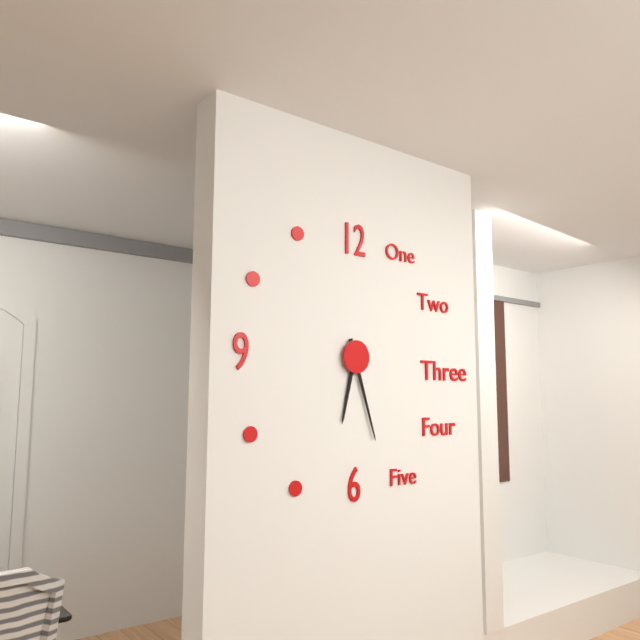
**6:27**
